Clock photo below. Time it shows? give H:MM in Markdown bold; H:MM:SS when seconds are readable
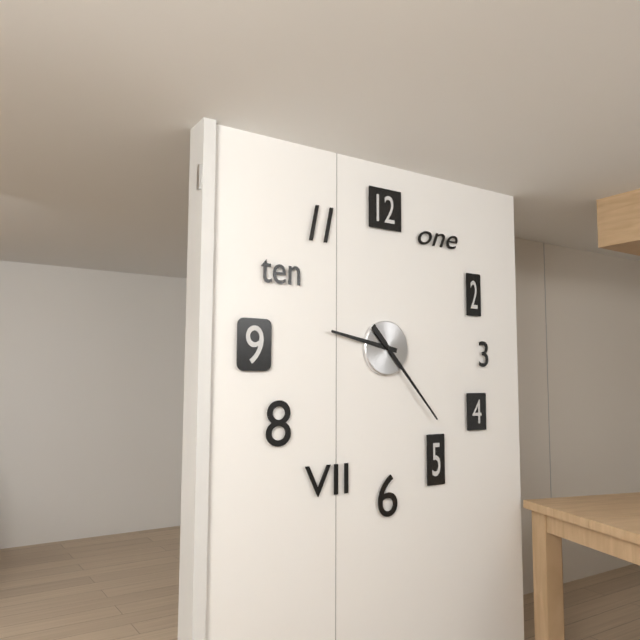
**9:23**
